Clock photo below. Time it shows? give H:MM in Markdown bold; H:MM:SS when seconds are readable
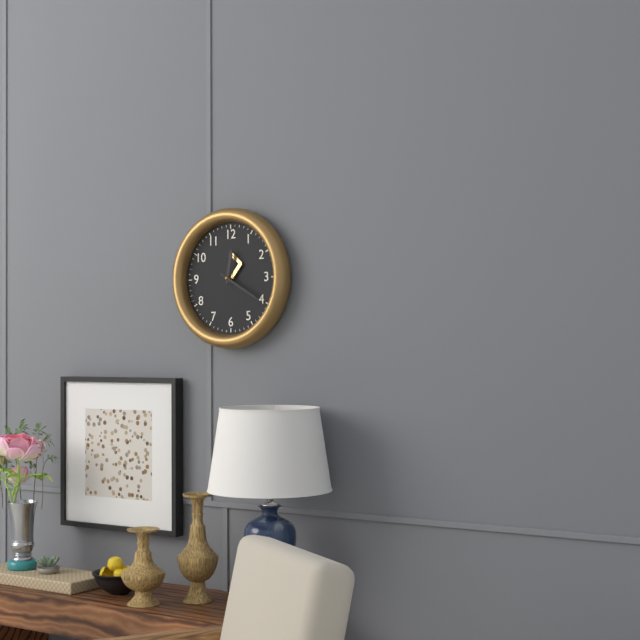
**12:20**
